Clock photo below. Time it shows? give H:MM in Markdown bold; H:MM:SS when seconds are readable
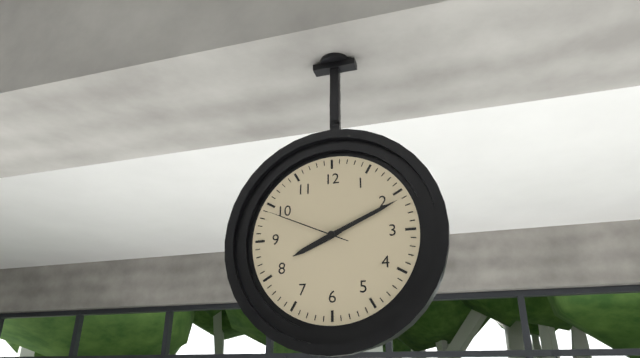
**8:11:49**
